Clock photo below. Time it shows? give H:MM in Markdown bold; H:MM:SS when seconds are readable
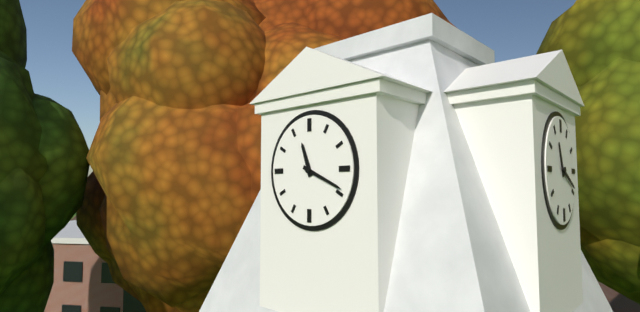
**11:19**
